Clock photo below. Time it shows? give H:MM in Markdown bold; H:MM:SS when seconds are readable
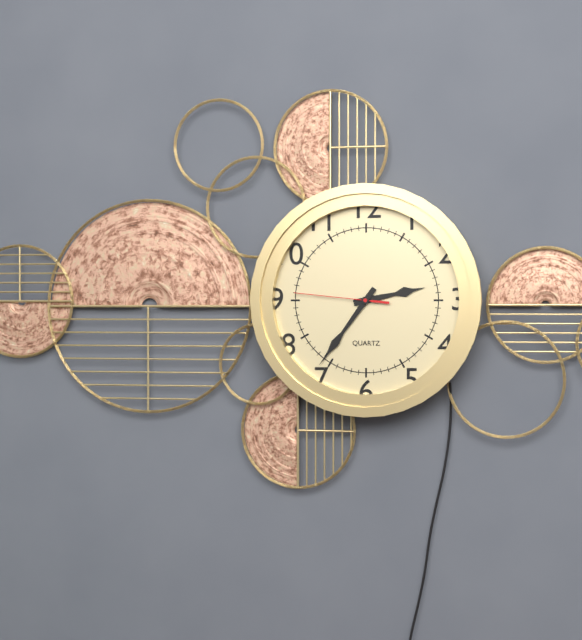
**2:36:46**
